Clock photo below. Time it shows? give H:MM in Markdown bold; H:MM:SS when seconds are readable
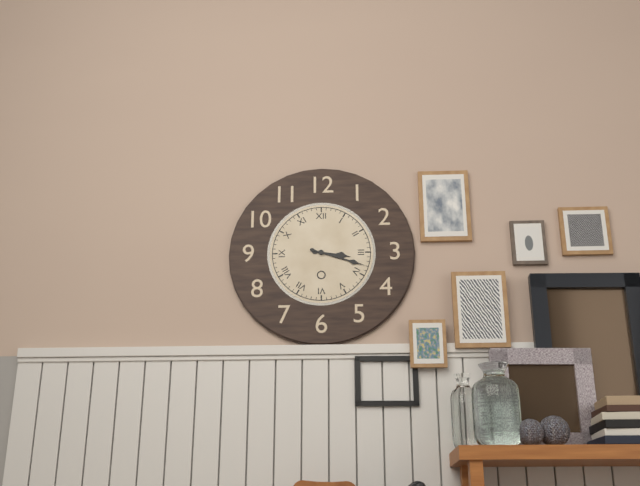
**3:18**
